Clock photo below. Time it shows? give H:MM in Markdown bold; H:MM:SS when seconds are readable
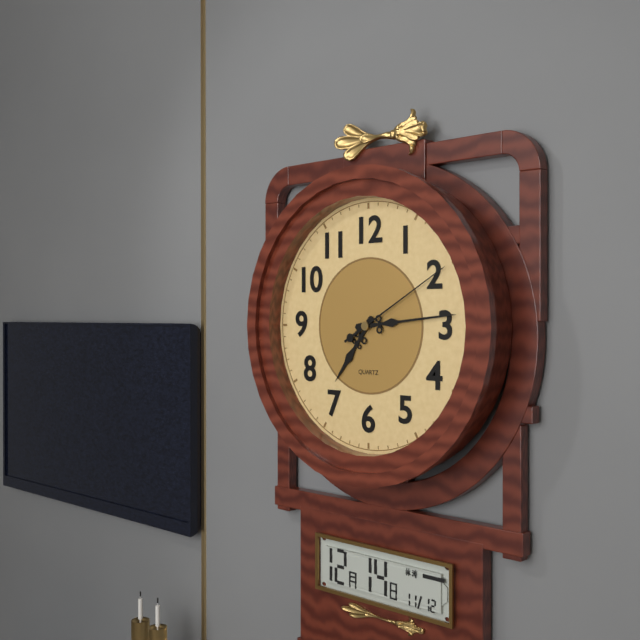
**7:14:10**
